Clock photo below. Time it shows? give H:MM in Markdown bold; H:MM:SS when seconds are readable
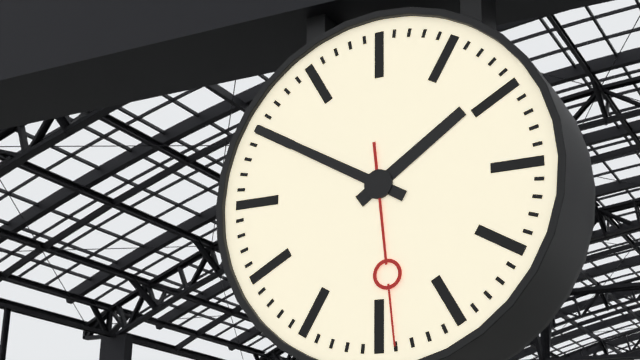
**1:50:29**
